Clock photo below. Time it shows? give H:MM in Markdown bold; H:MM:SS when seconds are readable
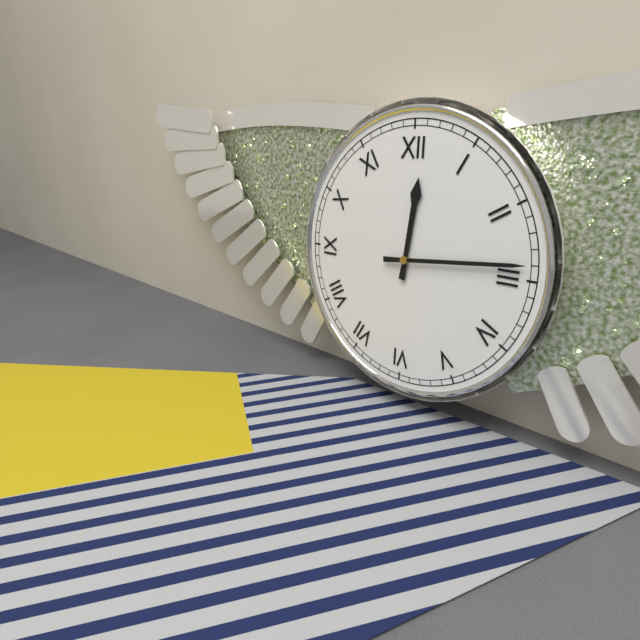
**12:14**
